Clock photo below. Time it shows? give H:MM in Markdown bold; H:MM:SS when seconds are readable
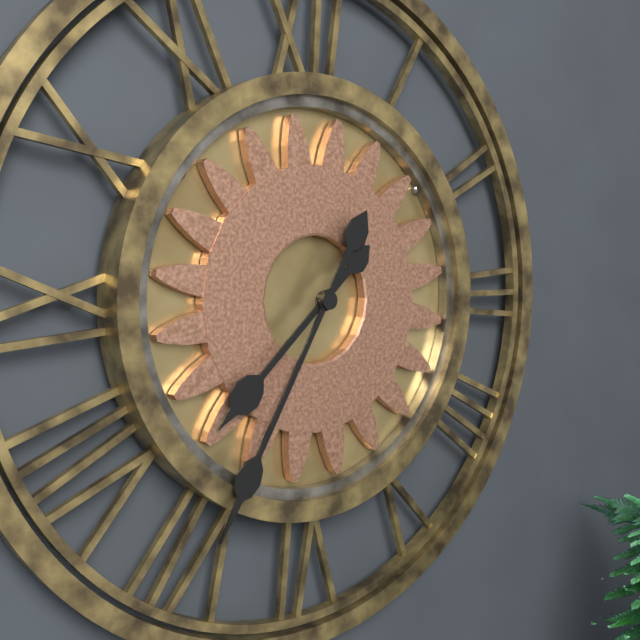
**7:35**
